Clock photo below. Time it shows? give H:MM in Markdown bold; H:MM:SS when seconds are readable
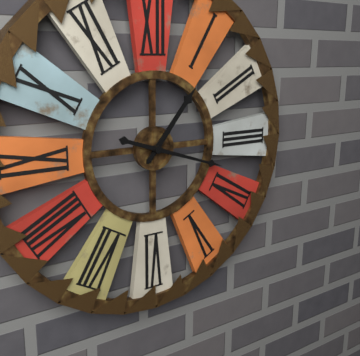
**1:18**
